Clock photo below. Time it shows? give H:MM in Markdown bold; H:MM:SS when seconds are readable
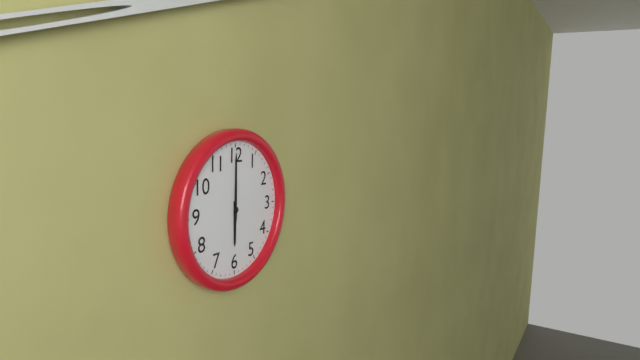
**6:00**
